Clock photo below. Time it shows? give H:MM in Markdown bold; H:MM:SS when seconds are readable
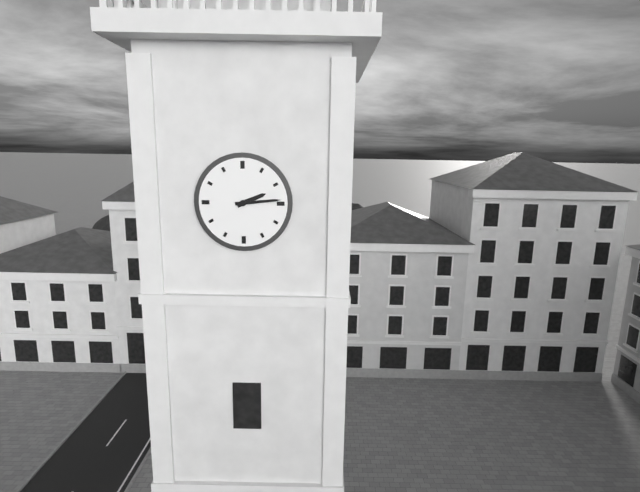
**2:14**
